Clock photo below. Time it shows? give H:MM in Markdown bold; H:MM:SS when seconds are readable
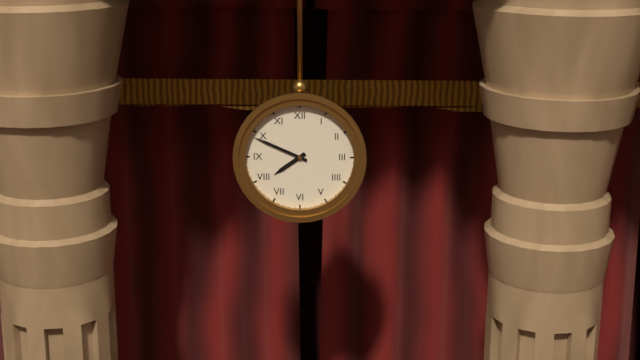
**7:49**
